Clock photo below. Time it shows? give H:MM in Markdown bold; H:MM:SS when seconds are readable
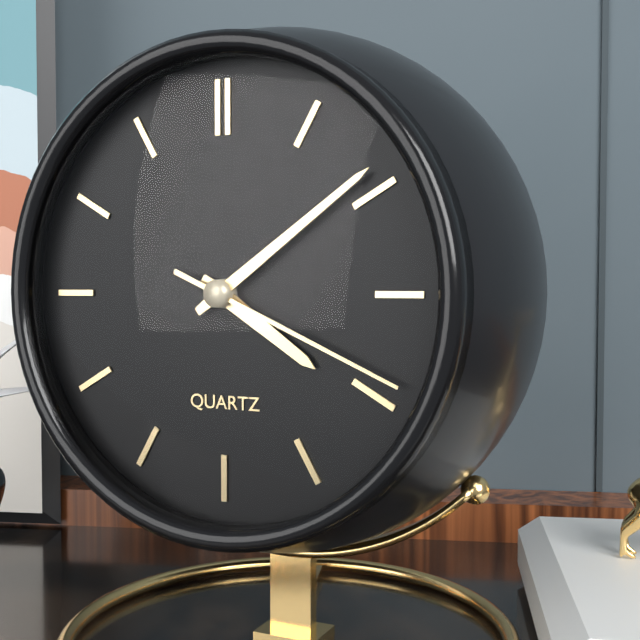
**4:09:19**
